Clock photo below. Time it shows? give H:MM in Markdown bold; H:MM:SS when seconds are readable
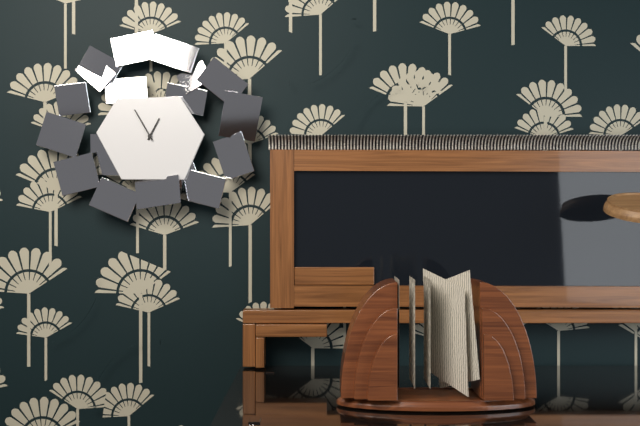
**12:55**
